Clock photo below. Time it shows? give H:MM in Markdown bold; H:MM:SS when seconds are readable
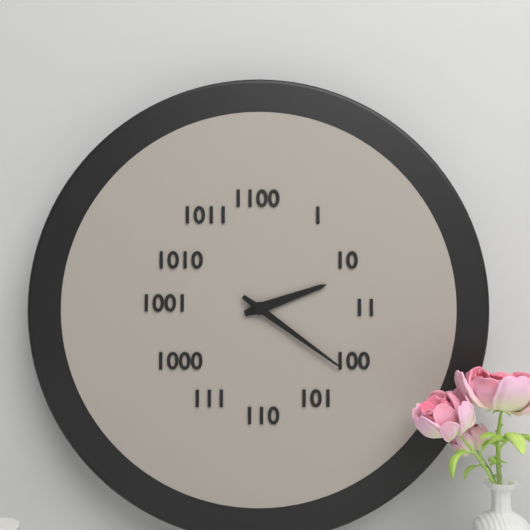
**2:21**
